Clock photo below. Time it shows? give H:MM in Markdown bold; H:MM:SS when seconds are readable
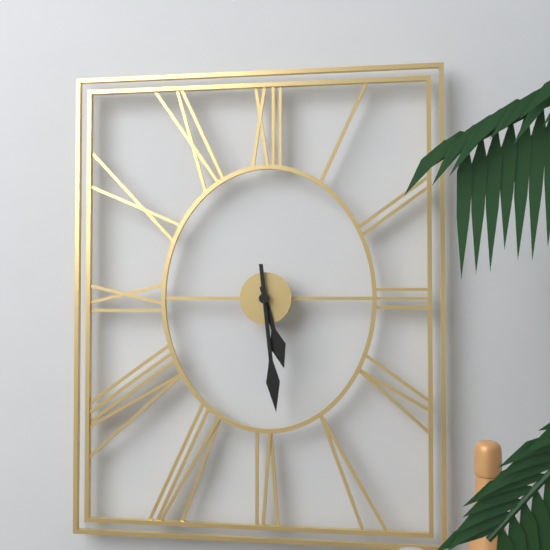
**5:29**
